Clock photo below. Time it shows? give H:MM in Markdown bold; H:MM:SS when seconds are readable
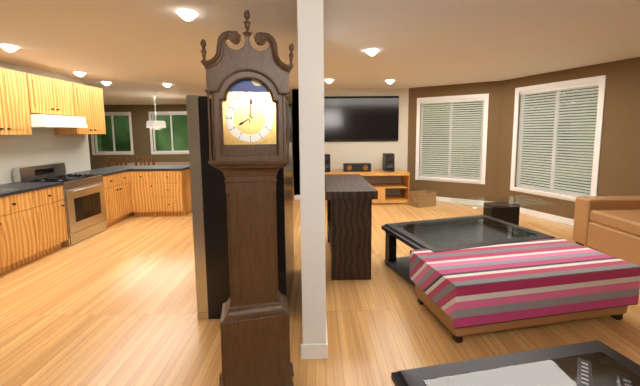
**8:01**
